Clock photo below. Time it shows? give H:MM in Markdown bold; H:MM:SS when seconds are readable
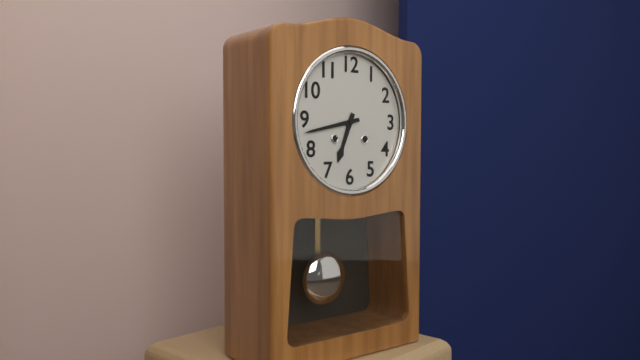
**6:43**
